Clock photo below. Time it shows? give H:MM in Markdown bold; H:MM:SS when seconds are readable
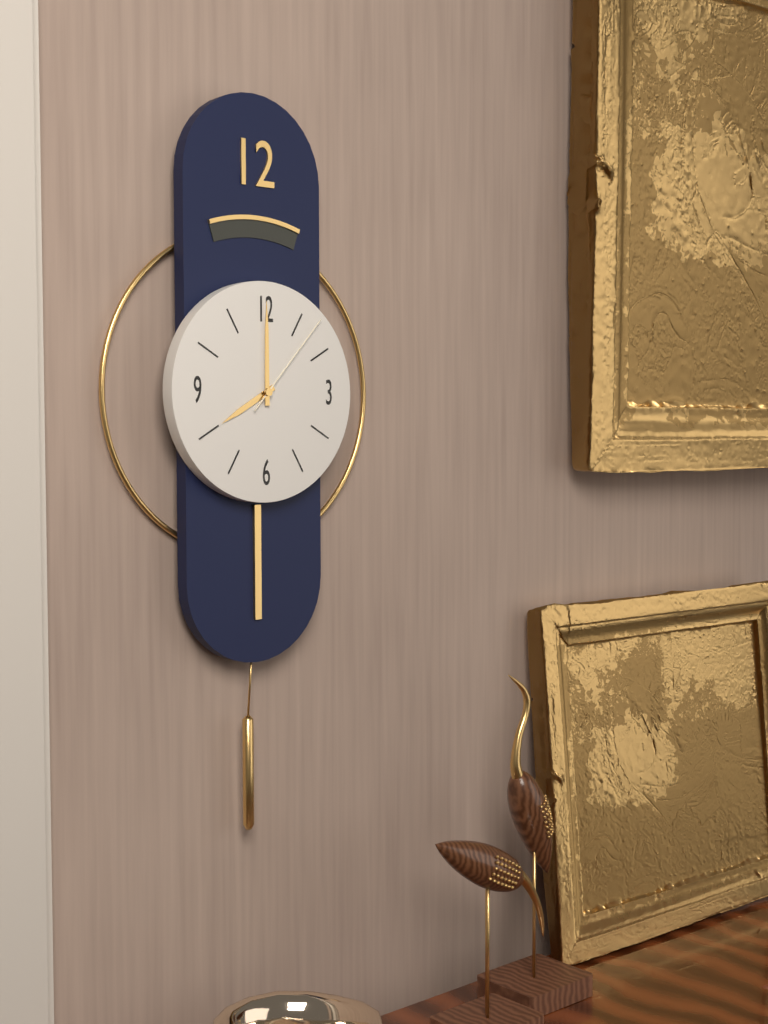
**8:00:07**
